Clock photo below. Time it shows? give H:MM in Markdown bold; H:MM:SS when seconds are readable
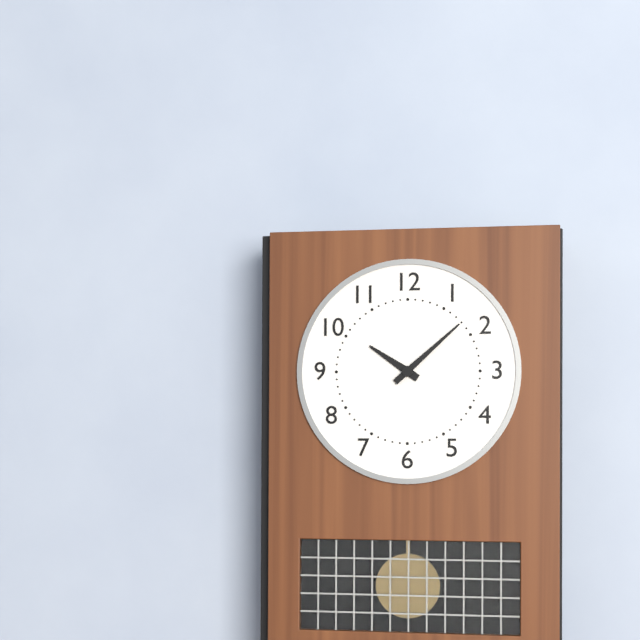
**10:08**
